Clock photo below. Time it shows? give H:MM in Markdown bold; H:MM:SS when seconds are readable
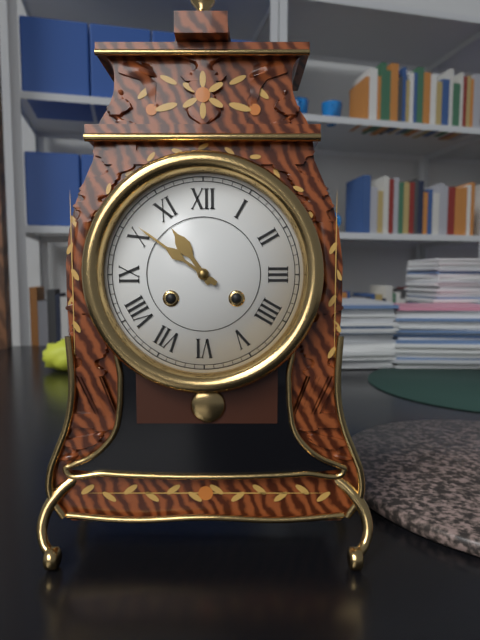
**10:51**
